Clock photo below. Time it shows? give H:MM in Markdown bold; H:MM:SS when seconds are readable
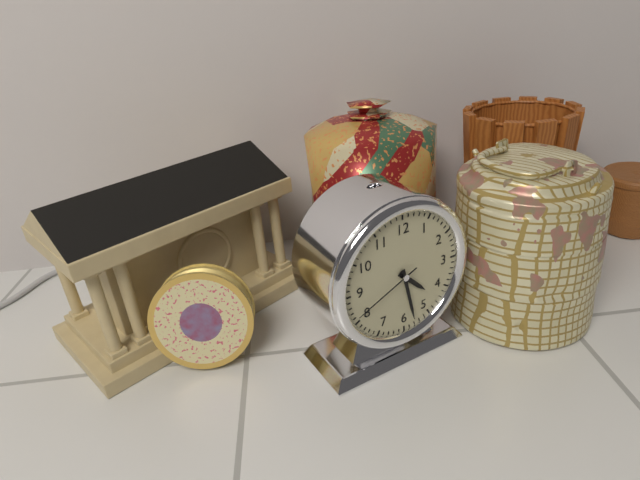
**4:28:41**
